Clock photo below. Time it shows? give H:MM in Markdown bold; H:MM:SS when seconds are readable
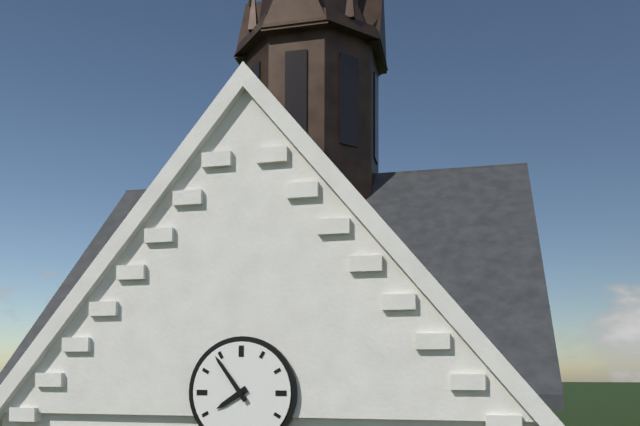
**7:54**
